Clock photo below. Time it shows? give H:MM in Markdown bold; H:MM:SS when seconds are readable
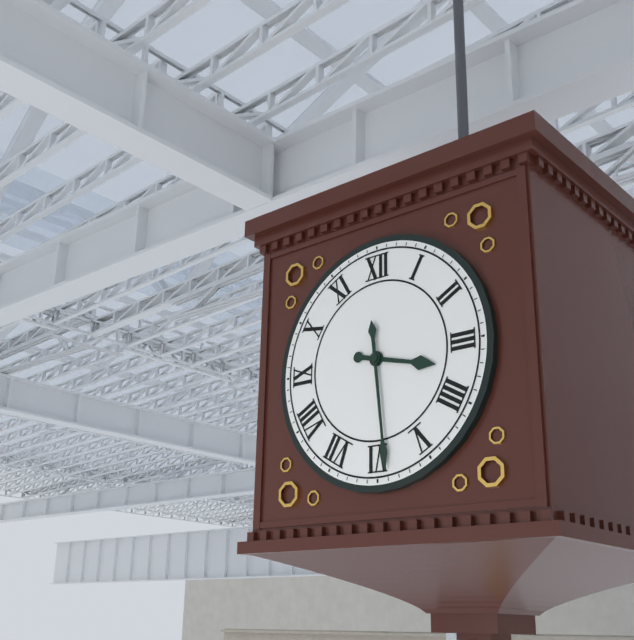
**3:29**
